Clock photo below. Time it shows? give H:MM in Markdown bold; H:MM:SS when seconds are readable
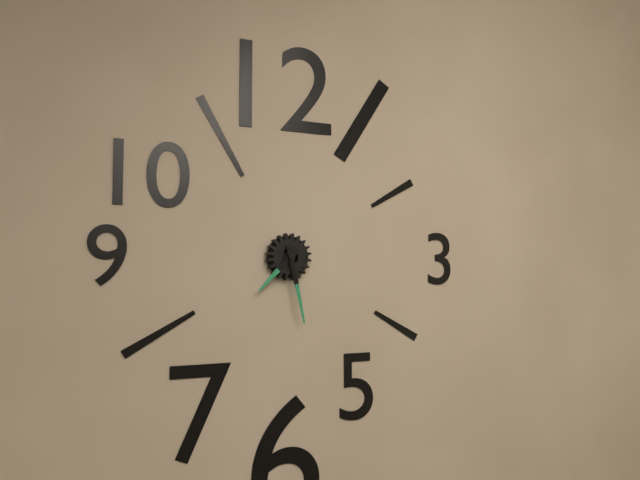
**7:28**
